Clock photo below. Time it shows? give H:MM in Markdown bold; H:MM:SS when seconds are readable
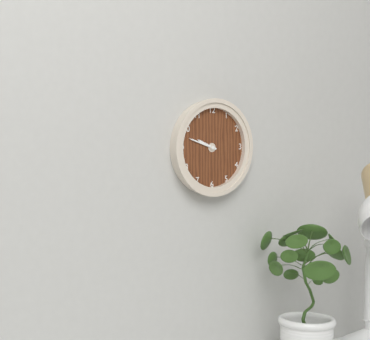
**9:48**
